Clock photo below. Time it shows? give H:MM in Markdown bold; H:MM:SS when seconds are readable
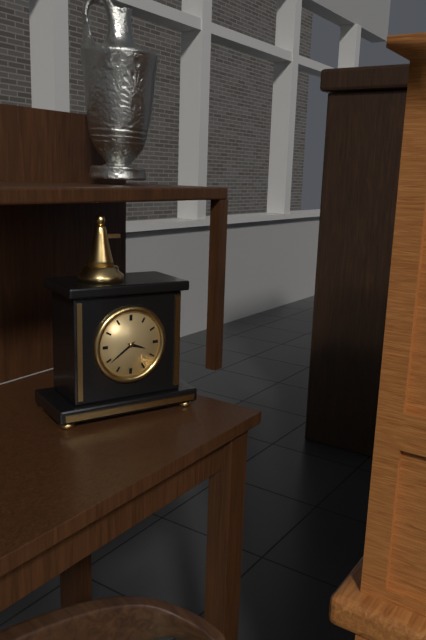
**3:39**
